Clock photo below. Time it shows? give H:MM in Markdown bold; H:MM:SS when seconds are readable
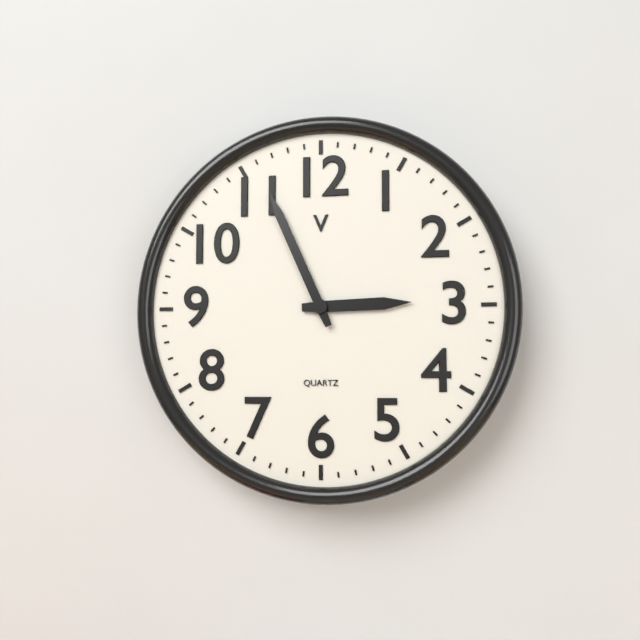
**2:56**
